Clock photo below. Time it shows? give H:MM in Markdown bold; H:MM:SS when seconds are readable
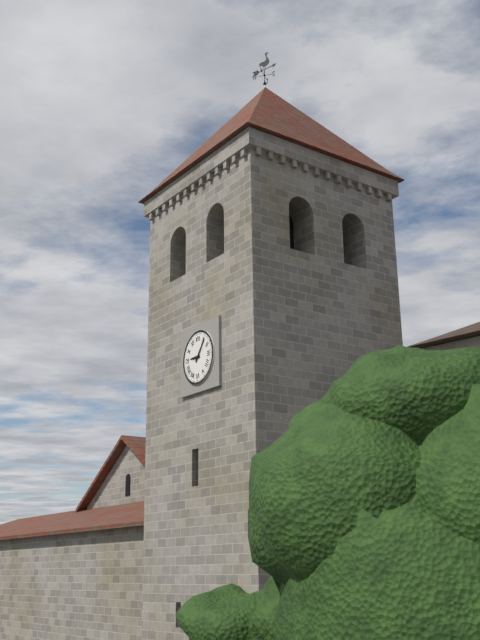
**9:06**
